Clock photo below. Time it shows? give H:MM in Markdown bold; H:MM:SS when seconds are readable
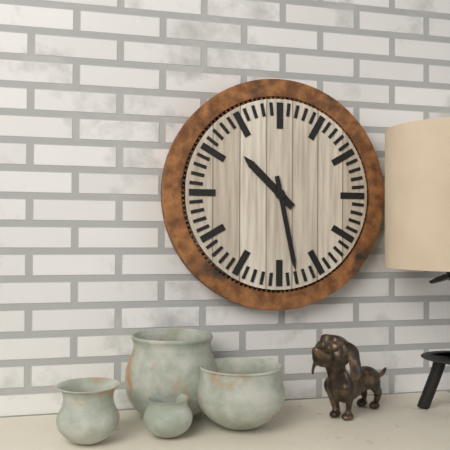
**10:28**
